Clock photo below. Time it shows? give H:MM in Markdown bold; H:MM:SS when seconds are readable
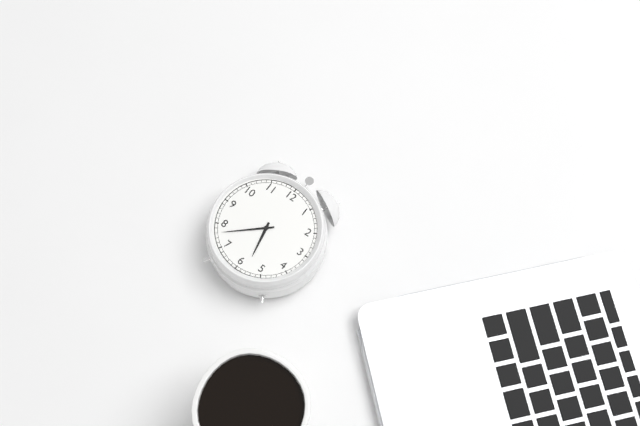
**5:38**
